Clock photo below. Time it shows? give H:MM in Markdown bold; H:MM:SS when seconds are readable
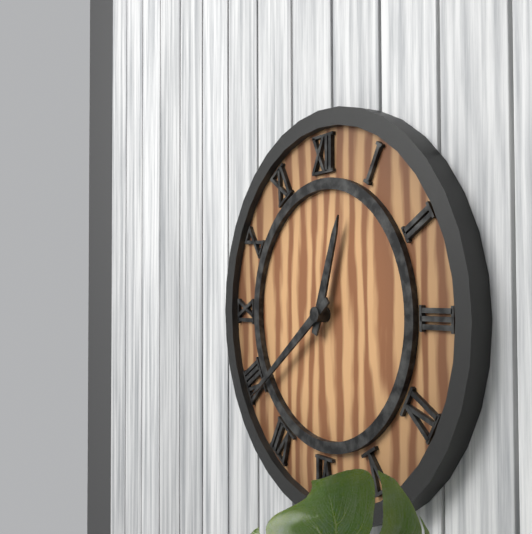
**12:39**
